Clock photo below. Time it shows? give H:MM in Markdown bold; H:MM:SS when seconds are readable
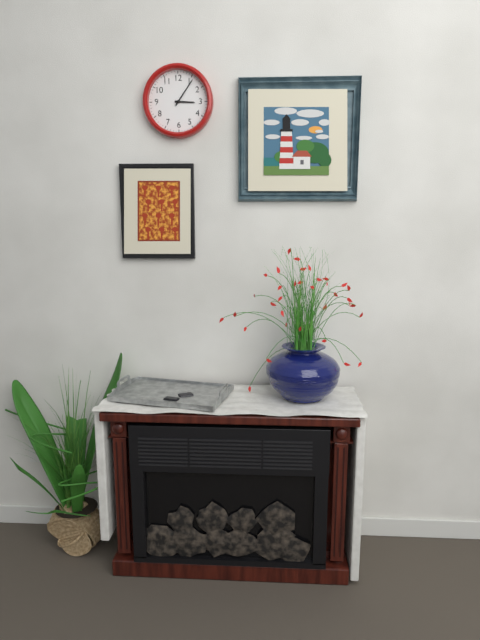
**3:06**
